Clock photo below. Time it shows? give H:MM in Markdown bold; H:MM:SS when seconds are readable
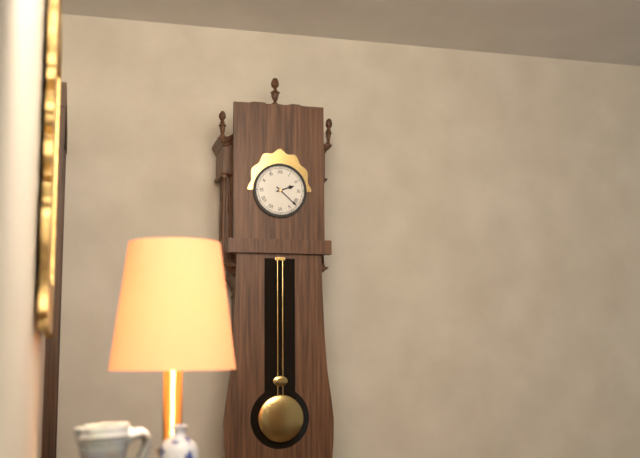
**2:22**
